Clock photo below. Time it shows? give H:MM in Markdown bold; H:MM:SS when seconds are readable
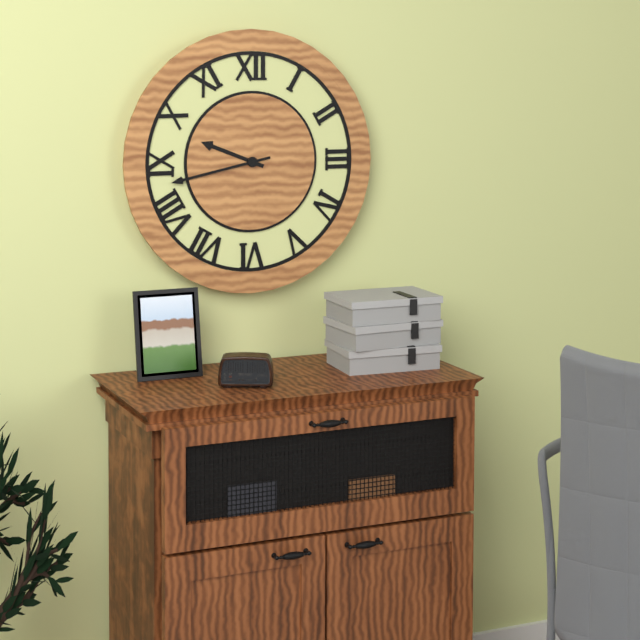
**9:43**
